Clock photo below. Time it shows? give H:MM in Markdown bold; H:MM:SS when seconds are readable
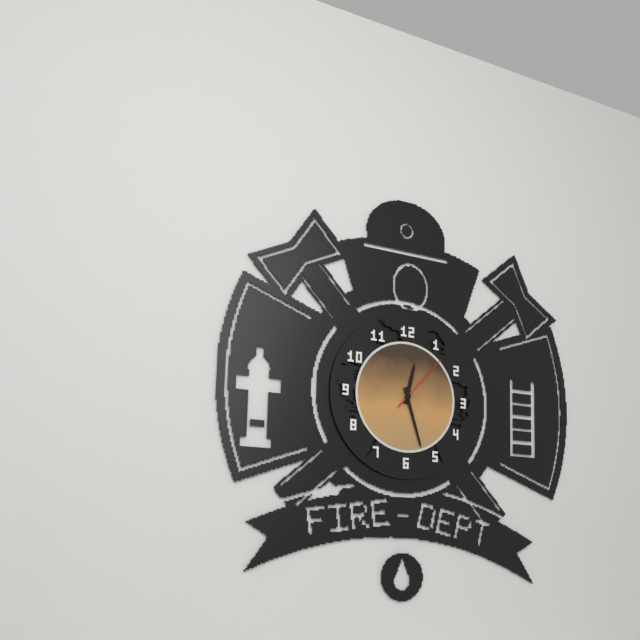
**12:27:07**
